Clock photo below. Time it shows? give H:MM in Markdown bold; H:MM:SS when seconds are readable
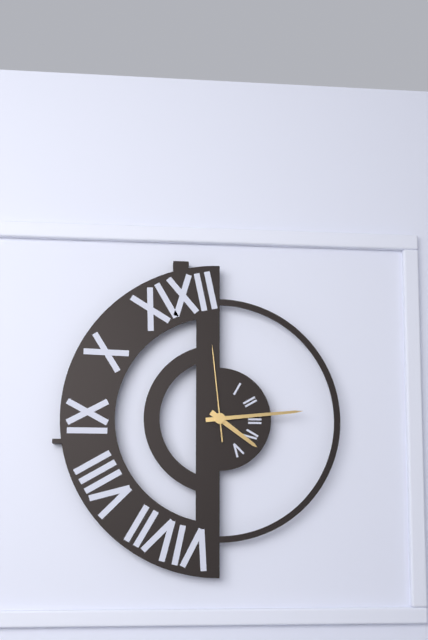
**4:14:59**
